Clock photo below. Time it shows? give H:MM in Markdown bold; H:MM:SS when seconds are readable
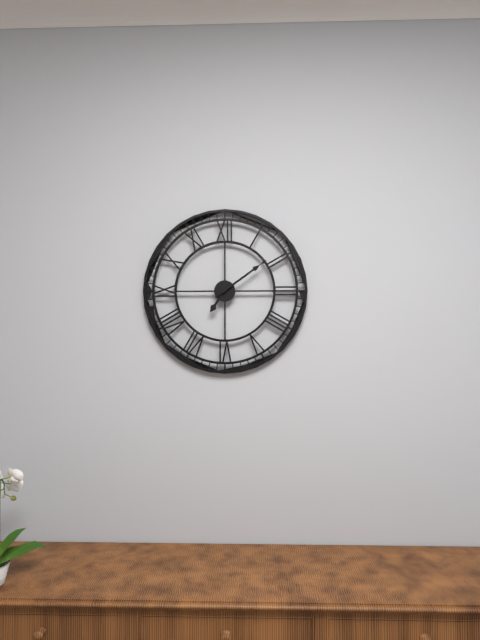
**7:09:09**
